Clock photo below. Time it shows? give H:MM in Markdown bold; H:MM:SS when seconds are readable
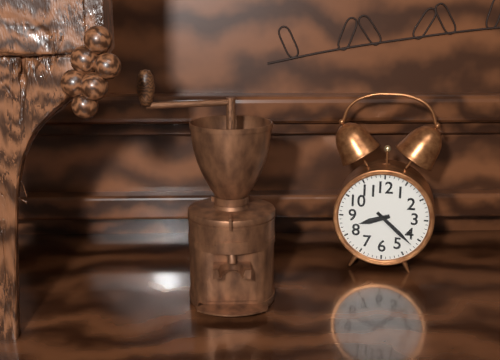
**8:22**
